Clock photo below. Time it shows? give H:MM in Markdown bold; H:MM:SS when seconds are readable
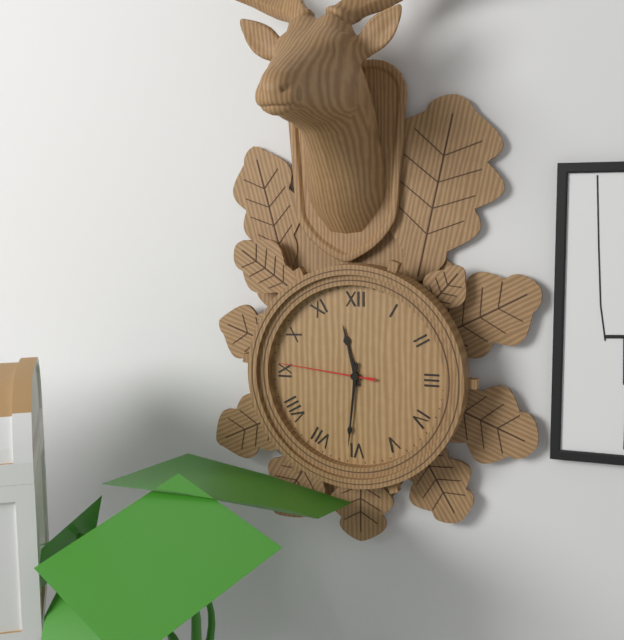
**11:31:46**
